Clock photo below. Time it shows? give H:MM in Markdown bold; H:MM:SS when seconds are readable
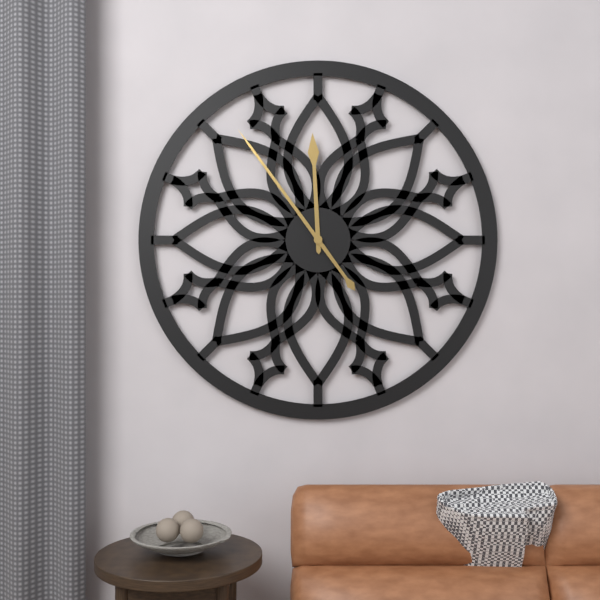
**11:54**
